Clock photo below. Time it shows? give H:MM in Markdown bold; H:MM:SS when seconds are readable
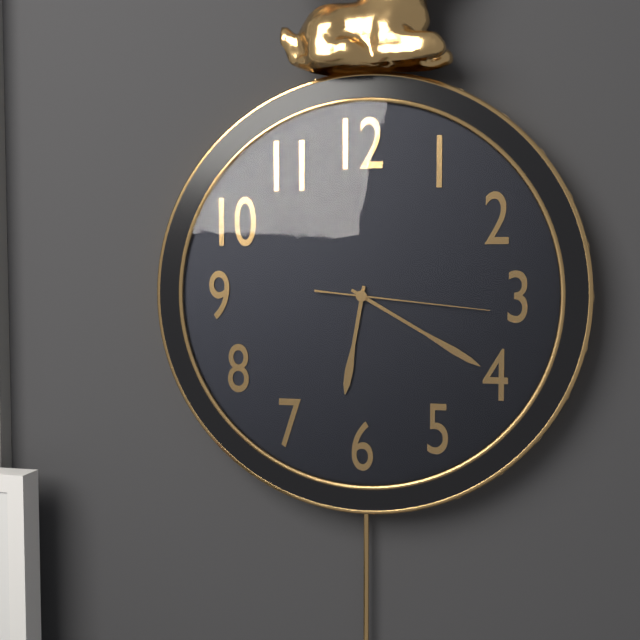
**6:20:16**
